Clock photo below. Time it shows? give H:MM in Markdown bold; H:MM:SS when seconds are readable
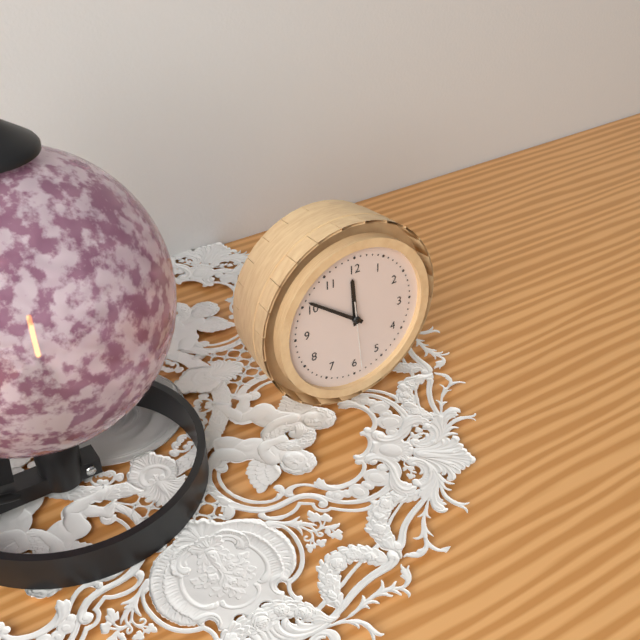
**11:51:29**
